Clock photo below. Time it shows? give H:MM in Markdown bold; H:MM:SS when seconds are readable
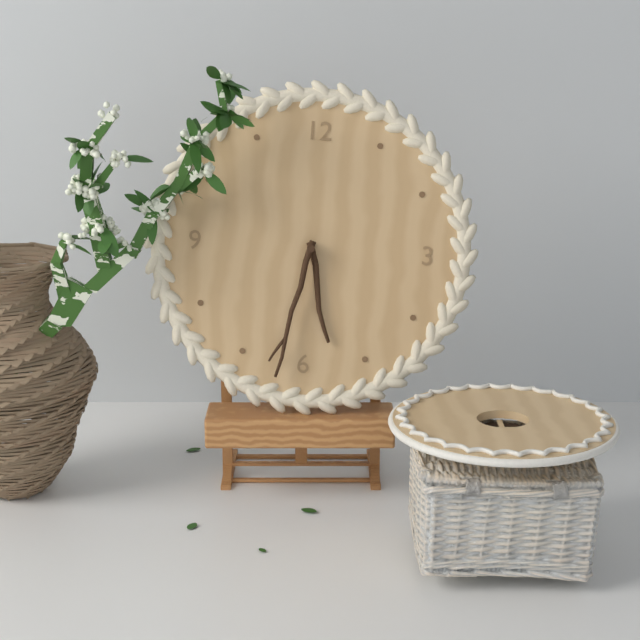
**5:32**
